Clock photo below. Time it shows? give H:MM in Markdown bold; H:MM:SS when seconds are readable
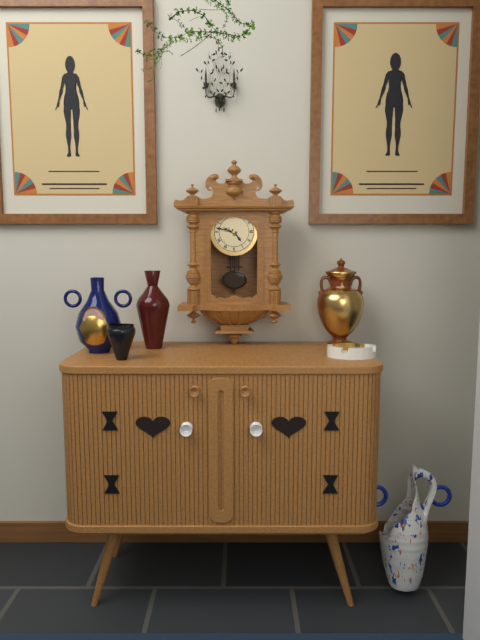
**4:47**
